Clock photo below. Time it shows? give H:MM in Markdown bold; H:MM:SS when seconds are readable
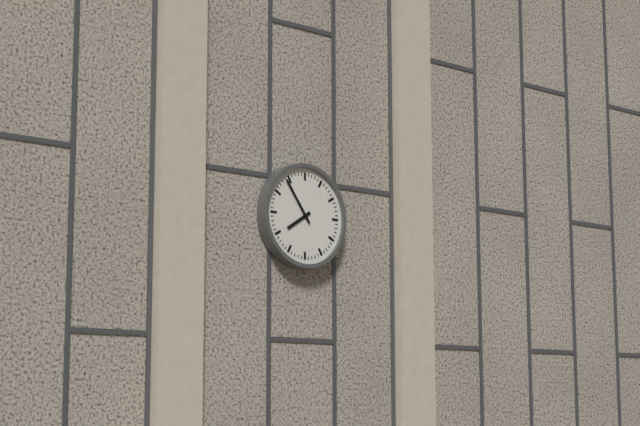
**7:54**
